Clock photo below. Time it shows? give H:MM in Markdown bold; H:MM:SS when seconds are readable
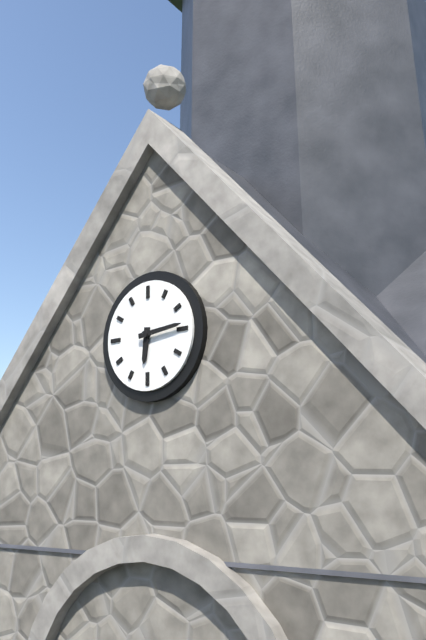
**6:14**
